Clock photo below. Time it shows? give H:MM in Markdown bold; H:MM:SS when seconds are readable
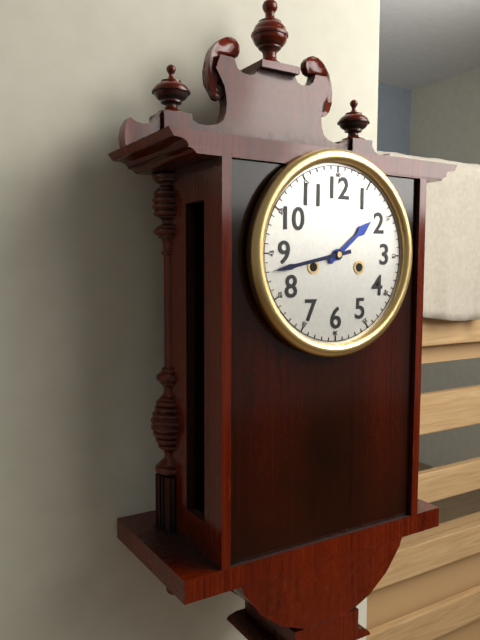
**1:43**
